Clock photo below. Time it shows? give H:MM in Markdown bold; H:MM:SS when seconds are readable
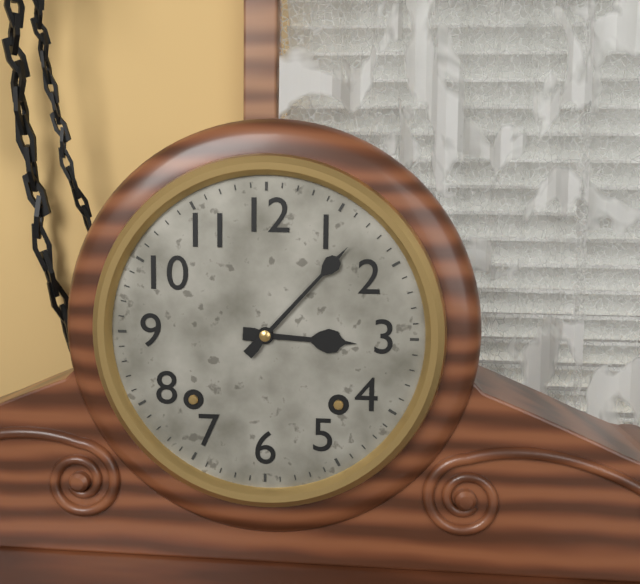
**3:07**
